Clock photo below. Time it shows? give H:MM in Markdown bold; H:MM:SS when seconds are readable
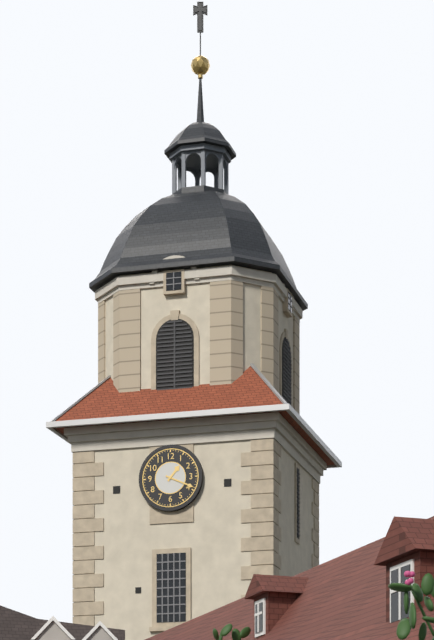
**1:19**
